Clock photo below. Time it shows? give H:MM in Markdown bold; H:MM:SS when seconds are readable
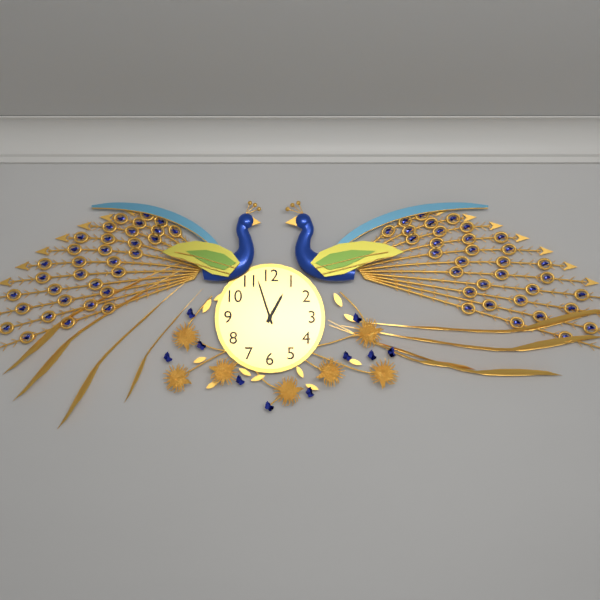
**12:57**
